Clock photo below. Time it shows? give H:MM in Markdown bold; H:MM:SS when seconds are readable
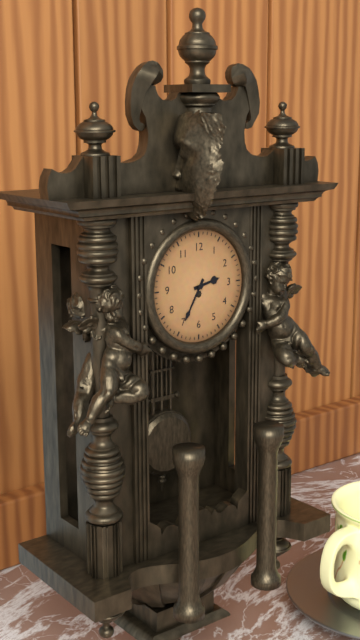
**2:35**
